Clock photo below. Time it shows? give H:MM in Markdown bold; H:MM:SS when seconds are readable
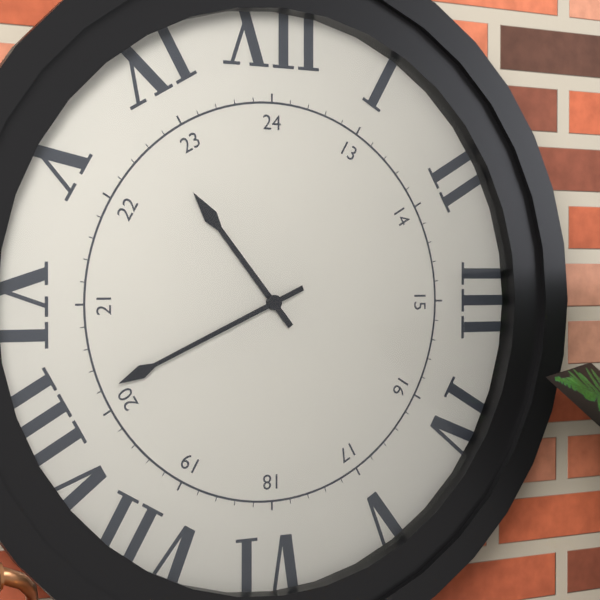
**10:41**
